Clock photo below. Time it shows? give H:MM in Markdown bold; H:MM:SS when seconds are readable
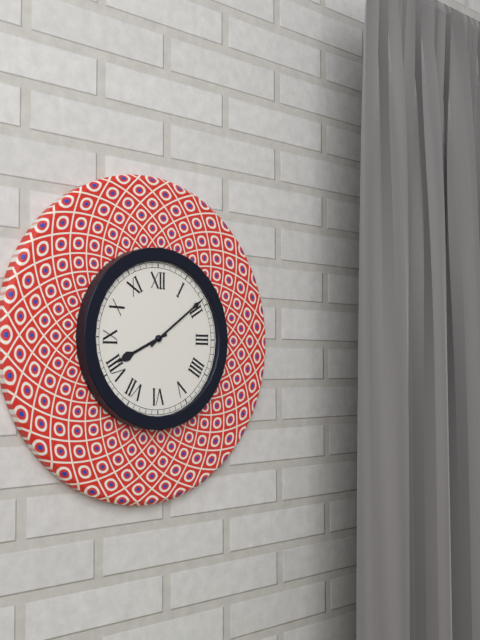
**8:09**
